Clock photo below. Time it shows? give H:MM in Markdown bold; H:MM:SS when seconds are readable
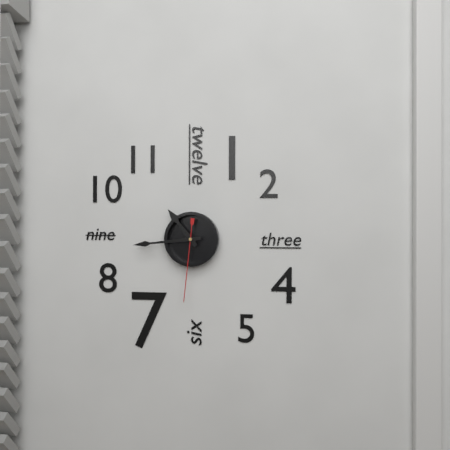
**10:44:31**
